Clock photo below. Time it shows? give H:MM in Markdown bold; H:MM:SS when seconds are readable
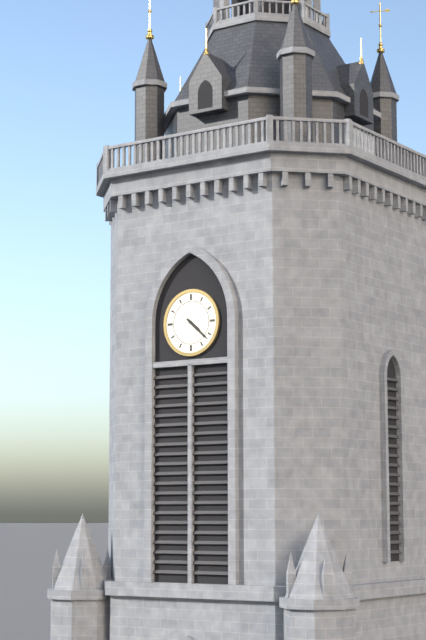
**4:22**
